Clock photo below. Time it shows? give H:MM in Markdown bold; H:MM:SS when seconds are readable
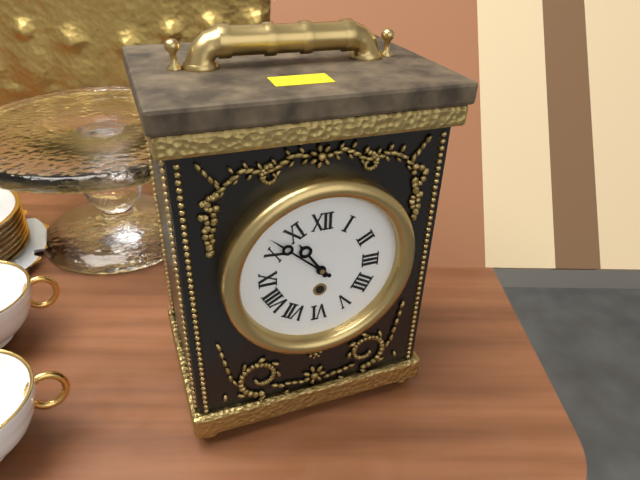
**10:52**
